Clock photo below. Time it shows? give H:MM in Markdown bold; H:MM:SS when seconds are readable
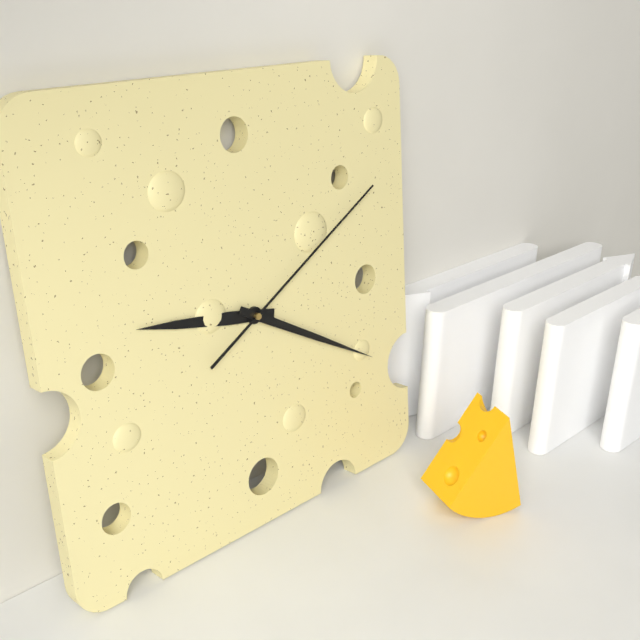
**9:20:10**
